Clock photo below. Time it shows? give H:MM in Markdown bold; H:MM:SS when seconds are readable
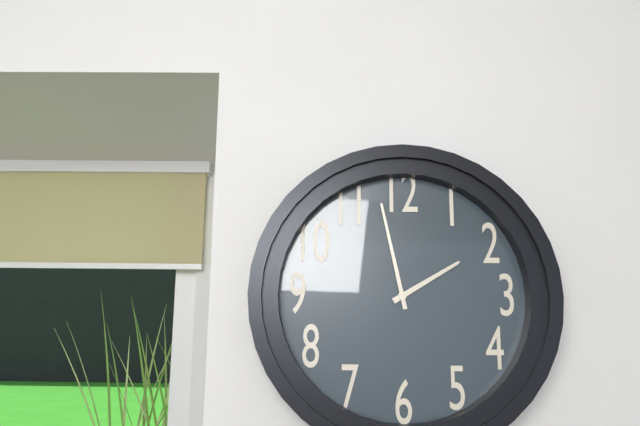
**1:58**
